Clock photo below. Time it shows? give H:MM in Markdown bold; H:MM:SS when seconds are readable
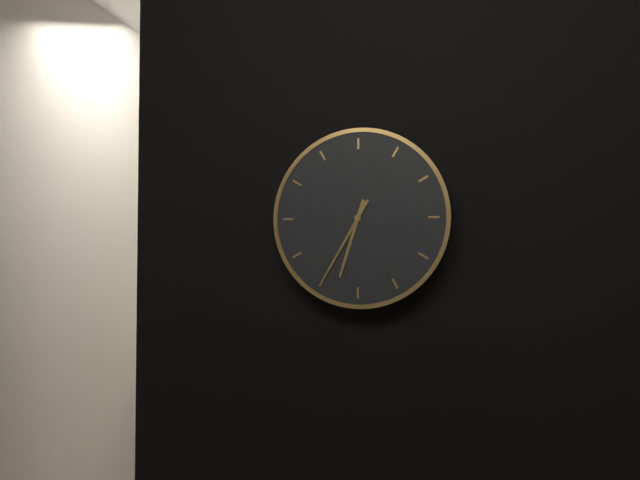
**6:35**
